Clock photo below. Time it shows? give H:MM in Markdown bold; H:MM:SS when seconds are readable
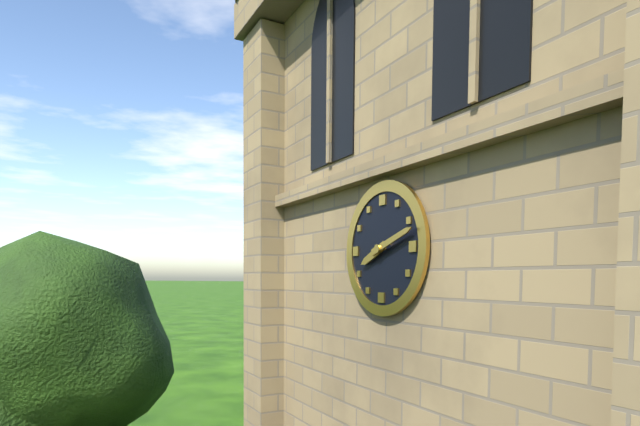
**8:12**
